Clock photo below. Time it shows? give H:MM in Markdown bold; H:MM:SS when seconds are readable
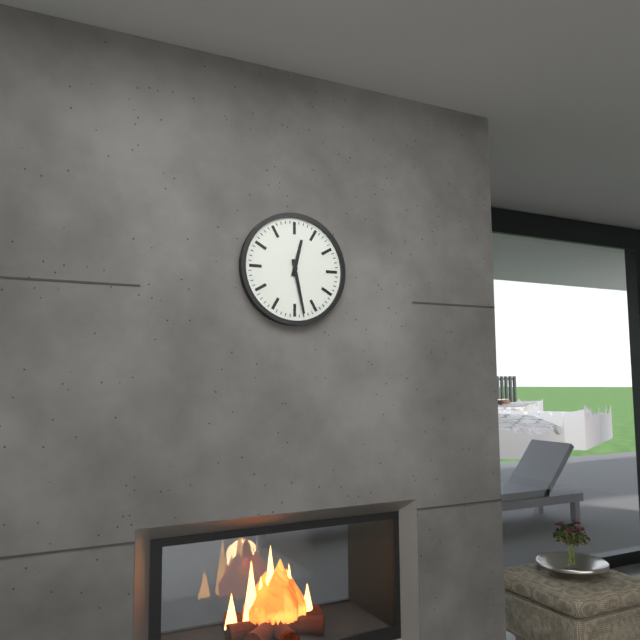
**12:28**
